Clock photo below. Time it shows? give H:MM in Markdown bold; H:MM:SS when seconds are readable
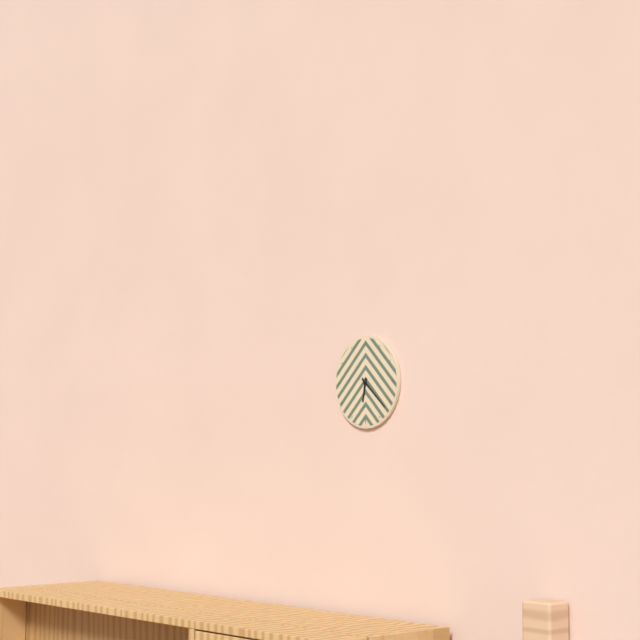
**6:22**
